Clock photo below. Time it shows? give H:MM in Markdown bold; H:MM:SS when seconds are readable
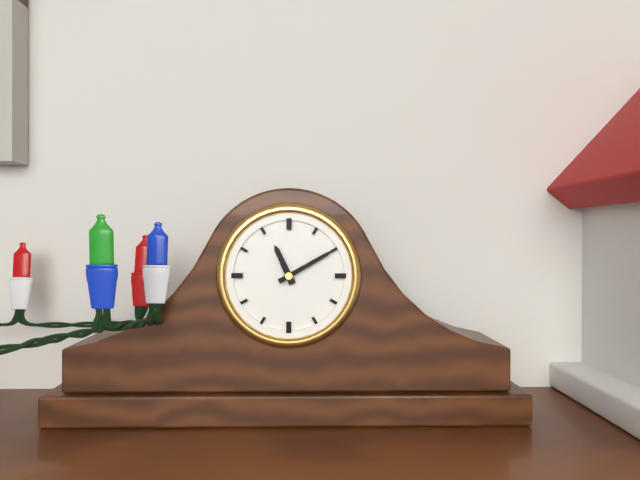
**11:10**
